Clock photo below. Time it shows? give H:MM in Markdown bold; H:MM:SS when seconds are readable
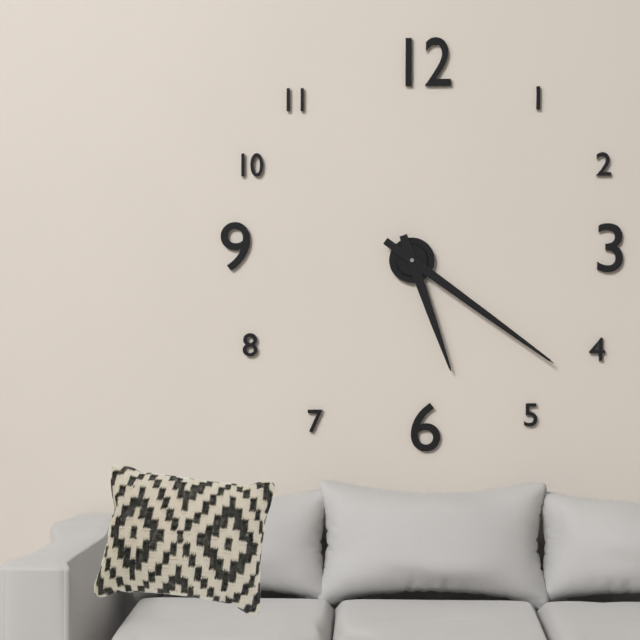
**5:21**
